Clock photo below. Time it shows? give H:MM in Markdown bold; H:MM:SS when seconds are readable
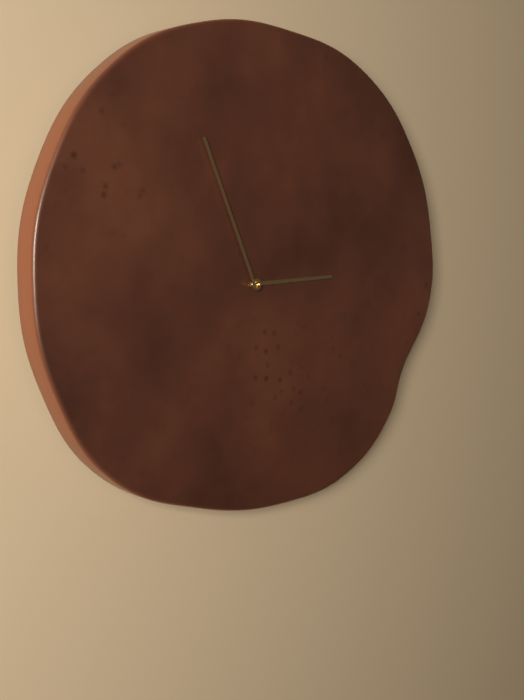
**2:56**
